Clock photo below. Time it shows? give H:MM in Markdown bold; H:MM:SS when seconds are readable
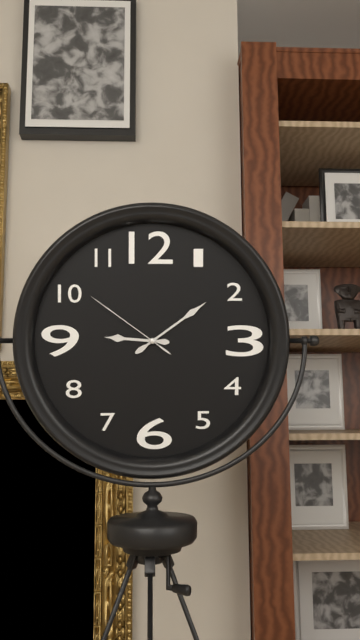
**9:09:51**
